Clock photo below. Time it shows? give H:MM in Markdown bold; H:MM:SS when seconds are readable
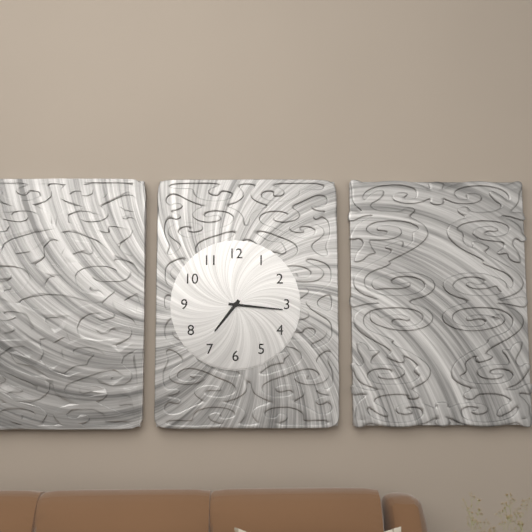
**7:16**
